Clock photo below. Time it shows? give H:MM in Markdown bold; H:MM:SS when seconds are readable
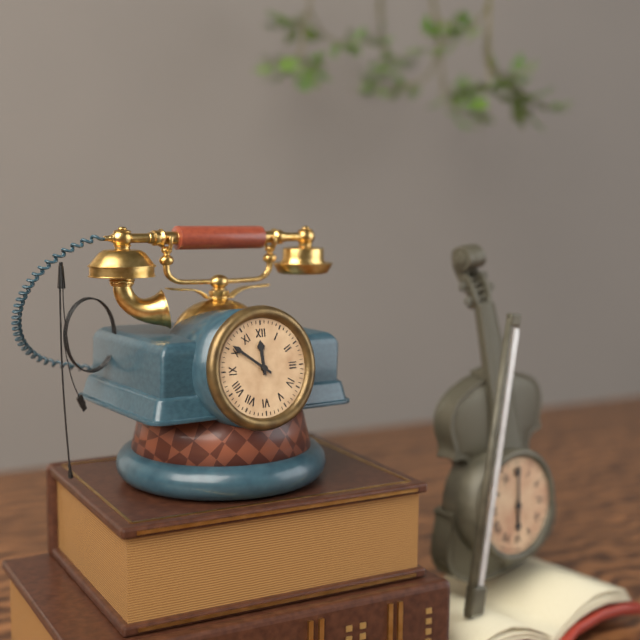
**11:51**
